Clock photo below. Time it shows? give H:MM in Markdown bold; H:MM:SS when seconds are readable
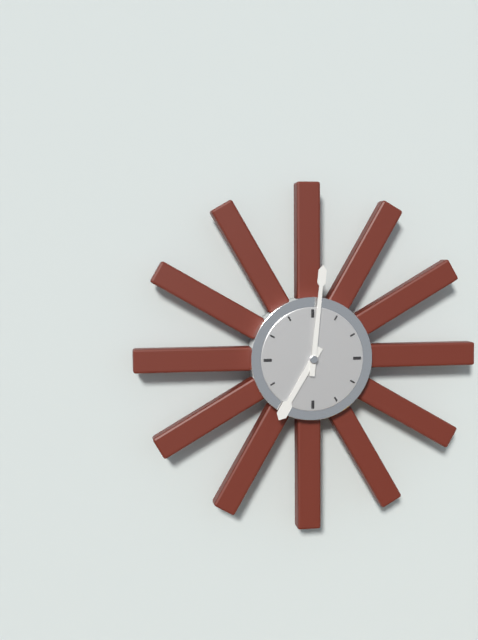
**7:01**
